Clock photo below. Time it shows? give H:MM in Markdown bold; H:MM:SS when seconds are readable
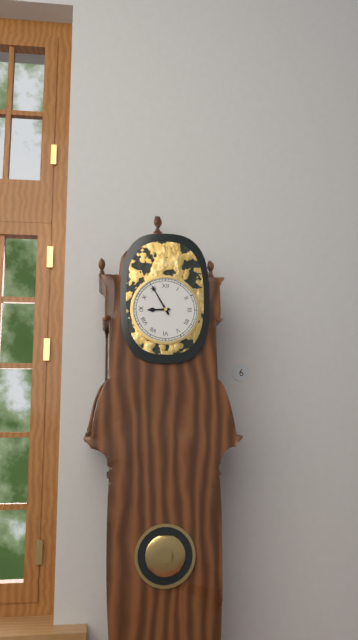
**8:55**
